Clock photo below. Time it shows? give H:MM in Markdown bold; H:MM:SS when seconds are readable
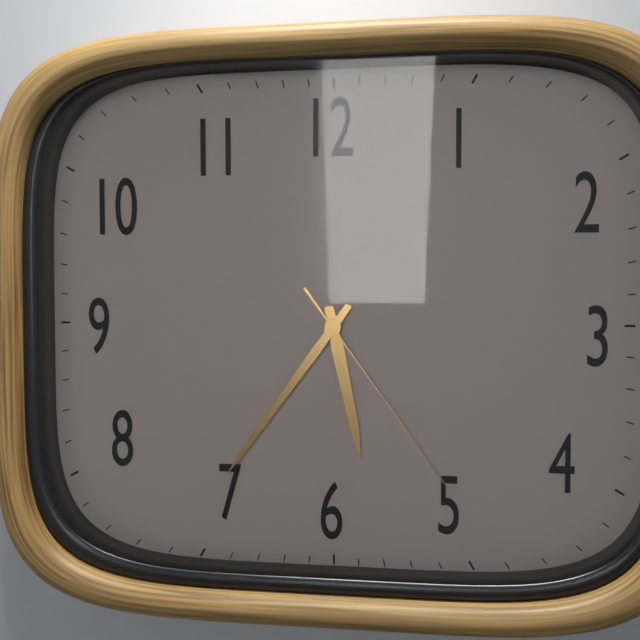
**5:36:24**
